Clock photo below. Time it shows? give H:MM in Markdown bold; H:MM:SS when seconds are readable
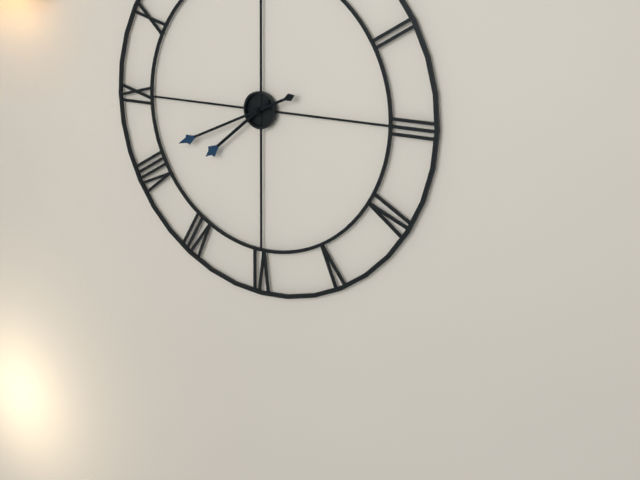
**7:41**
